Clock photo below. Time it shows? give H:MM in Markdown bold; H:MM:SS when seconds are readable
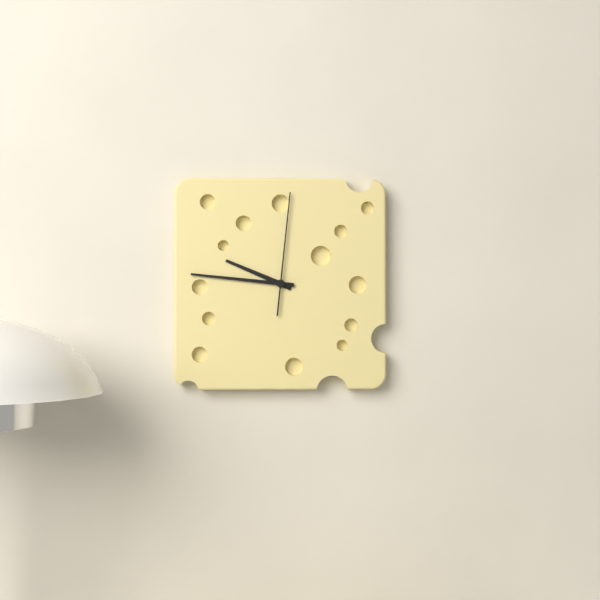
**9:46:01**
